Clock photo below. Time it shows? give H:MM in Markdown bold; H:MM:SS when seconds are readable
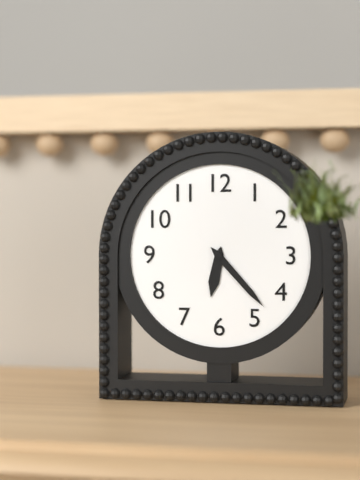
**6:23**
